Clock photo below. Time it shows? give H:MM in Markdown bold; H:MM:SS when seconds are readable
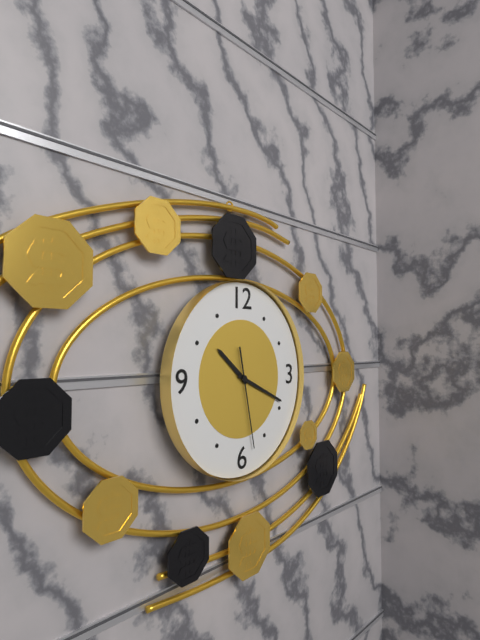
**10:19:28**
